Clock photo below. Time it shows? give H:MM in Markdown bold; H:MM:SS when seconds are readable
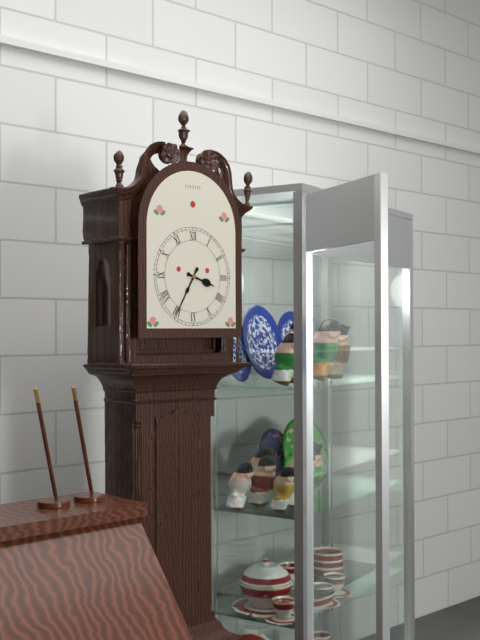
**3:35**
